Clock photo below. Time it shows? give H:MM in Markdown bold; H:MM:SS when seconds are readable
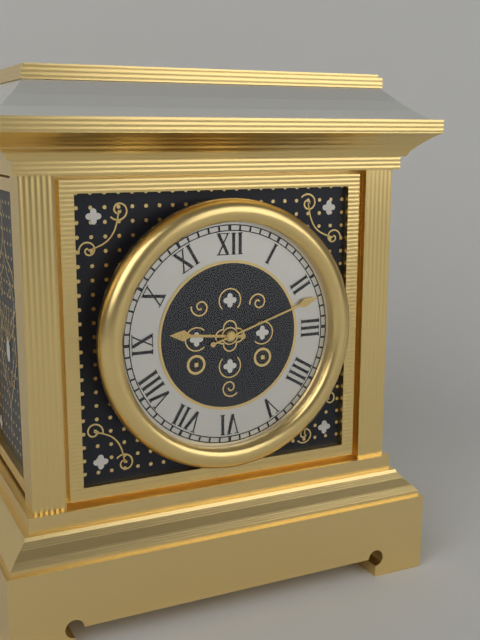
**9:12**
